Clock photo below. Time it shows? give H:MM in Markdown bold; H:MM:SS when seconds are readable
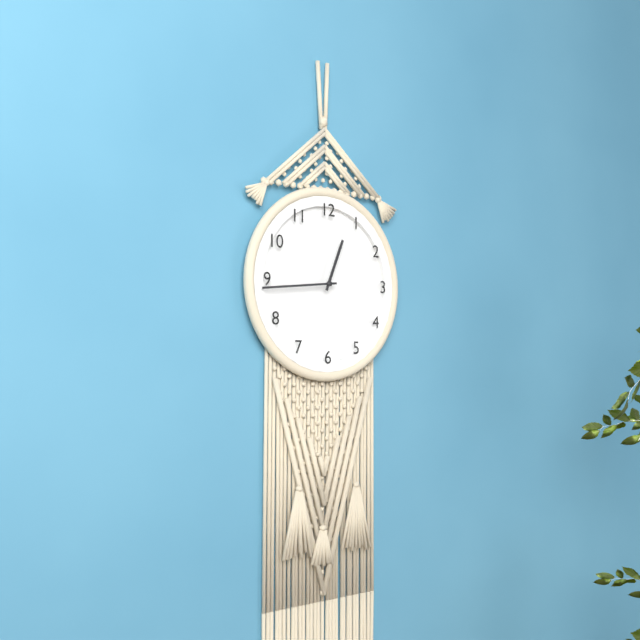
**12:44**
